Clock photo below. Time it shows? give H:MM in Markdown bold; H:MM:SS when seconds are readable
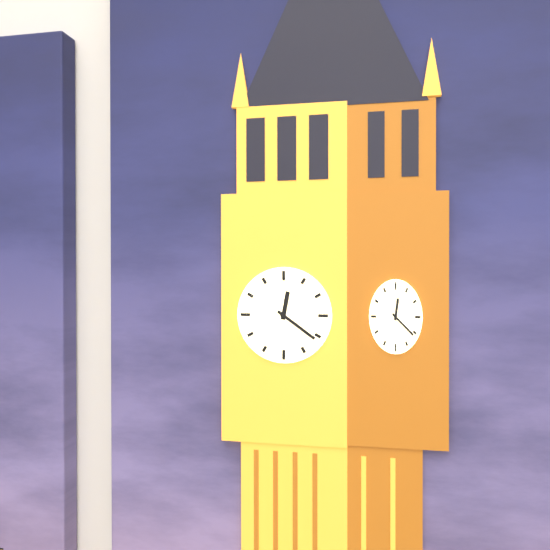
**12:21**
